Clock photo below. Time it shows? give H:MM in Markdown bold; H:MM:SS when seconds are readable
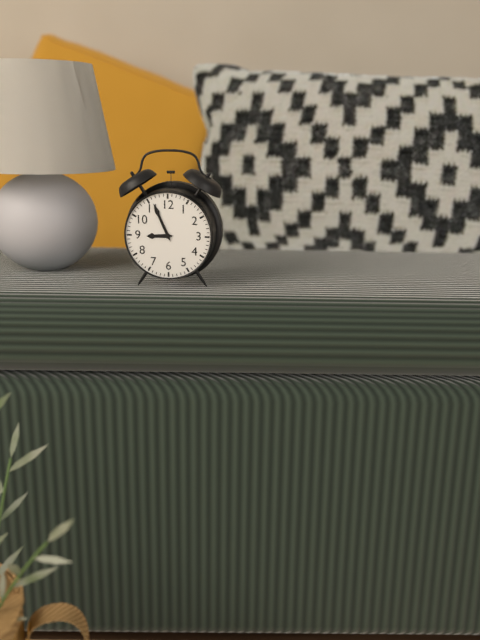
**8:56**
